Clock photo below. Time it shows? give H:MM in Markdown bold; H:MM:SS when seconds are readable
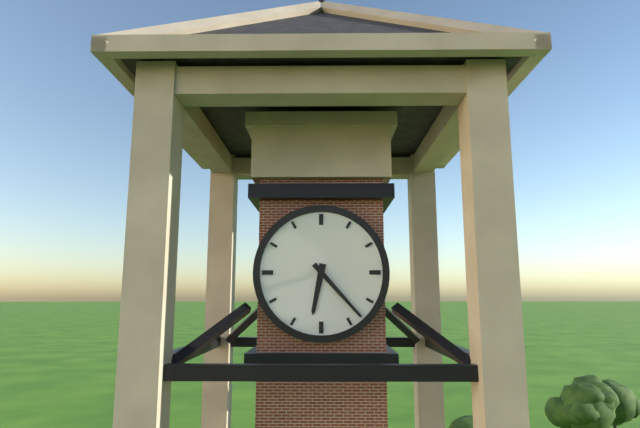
**6:23**
